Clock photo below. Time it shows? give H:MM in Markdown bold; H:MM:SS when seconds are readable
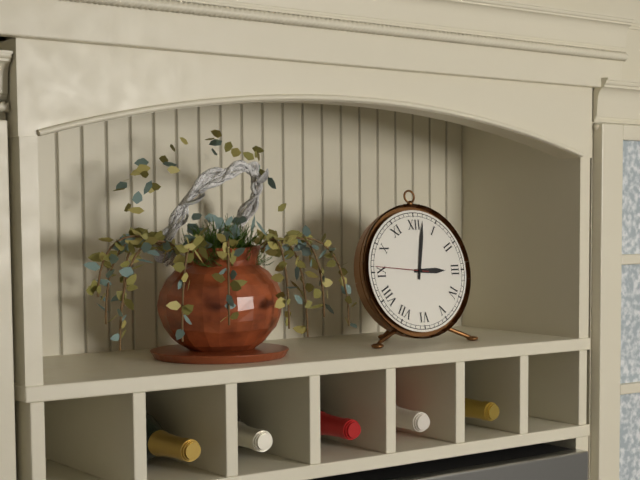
**3:02:46**
